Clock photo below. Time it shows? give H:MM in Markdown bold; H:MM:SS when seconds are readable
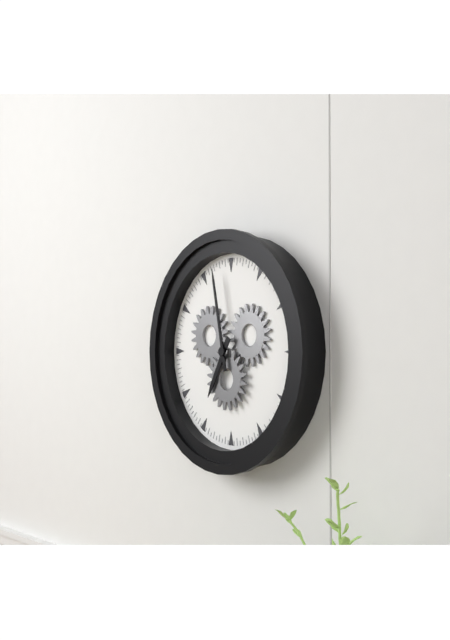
**6:58**
